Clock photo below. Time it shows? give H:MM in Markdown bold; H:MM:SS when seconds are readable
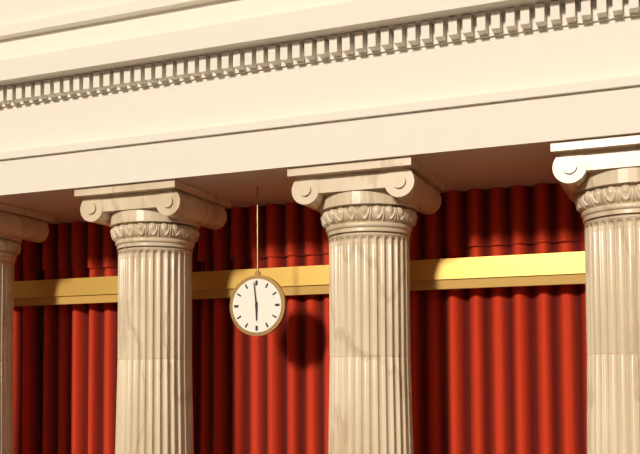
**5:59**
